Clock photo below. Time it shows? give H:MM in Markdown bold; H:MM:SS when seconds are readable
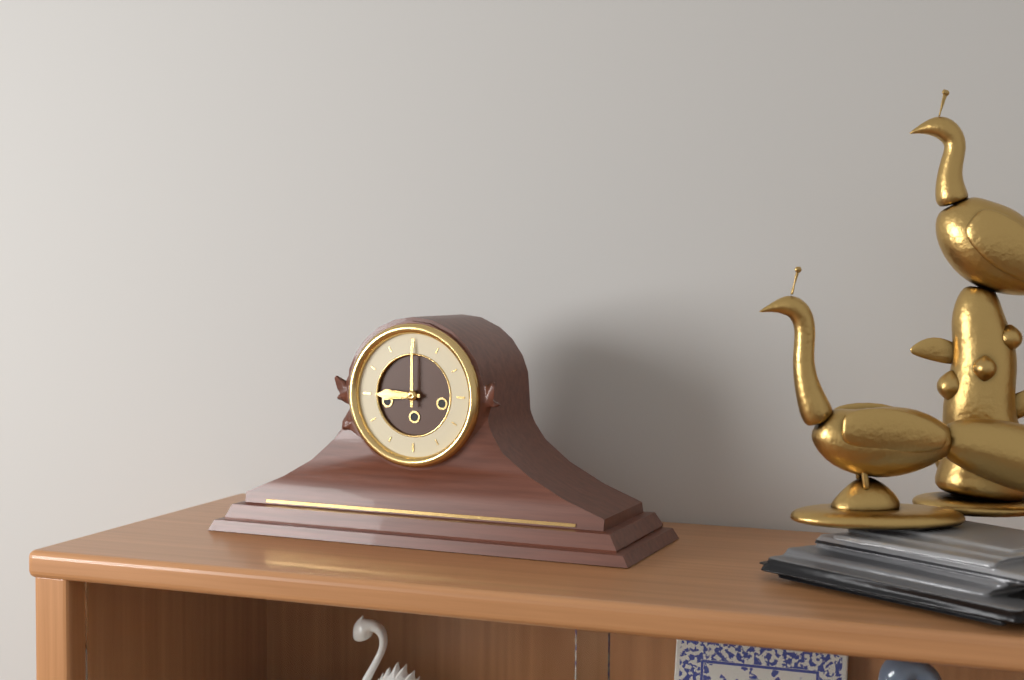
**9:00**
